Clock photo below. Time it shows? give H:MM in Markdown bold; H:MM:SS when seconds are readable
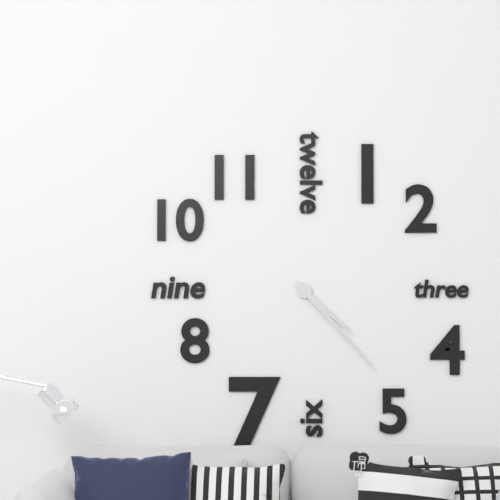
**4:23**
